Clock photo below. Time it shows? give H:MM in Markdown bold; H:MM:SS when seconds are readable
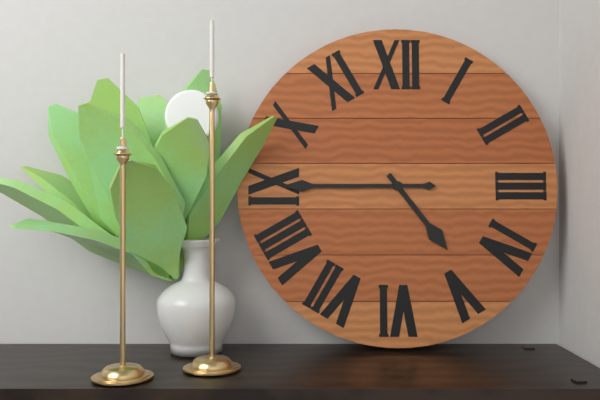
**4:45**
